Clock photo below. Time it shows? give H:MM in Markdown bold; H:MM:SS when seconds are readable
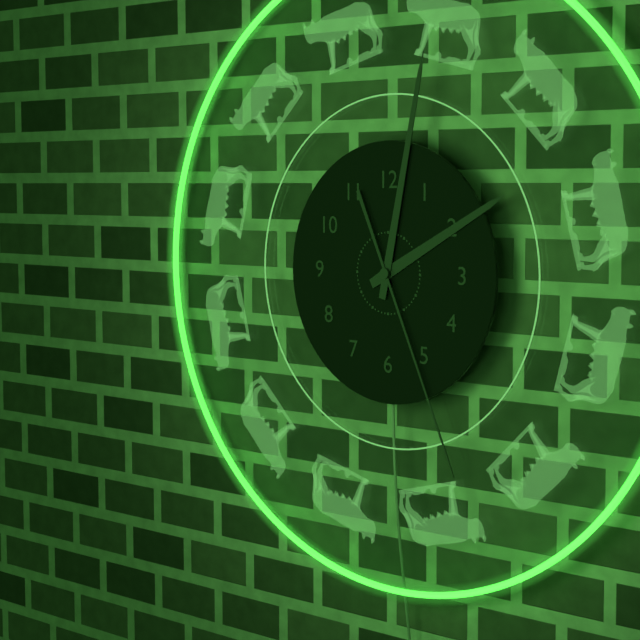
**2:02:26**
